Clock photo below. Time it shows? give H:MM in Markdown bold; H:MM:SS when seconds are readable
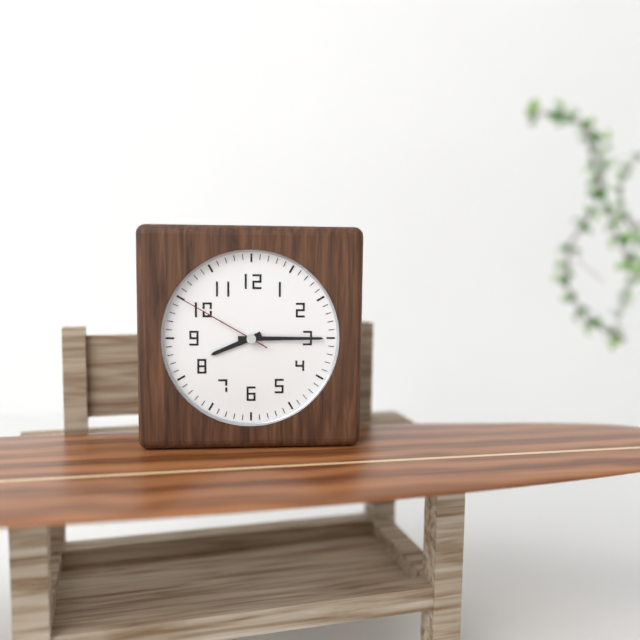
**8:15:50**
